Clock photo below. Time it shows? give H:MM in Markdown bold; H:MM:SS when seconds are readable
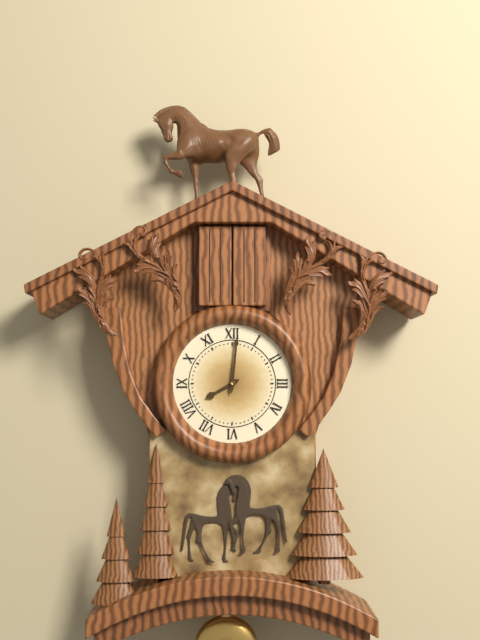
**8:01**
